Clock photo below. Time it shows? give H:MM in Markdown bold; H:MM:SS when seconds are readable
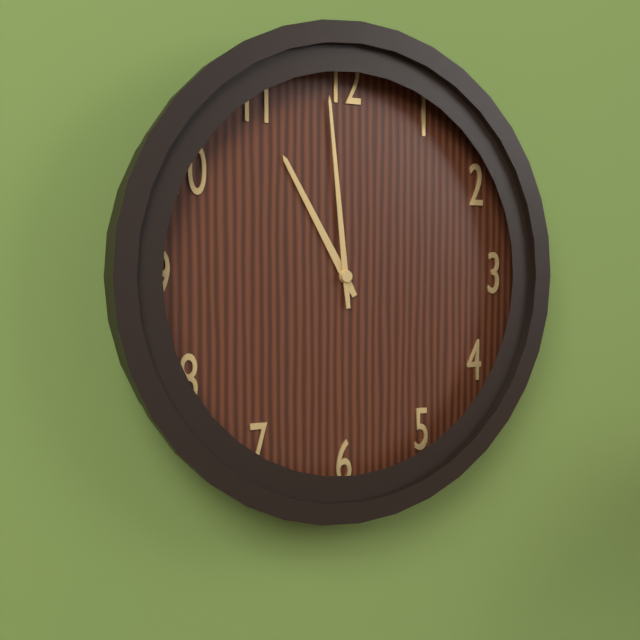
**10:59**
